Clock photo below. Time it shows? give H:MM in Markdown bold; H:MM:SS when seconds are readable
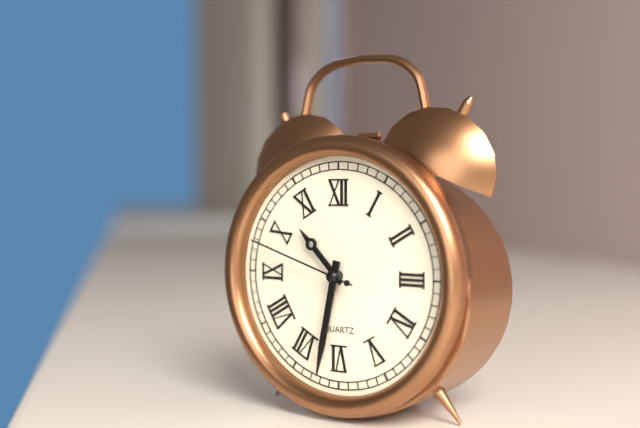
**10:32:48**
